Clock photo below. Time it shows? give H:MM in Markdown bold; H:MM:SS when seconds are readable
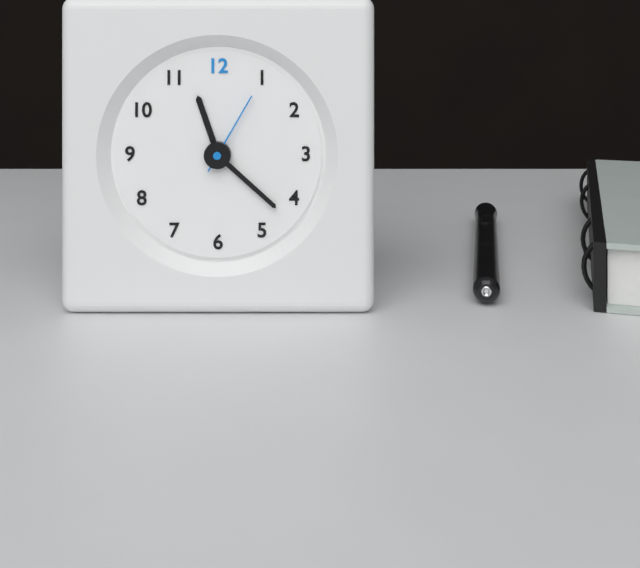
**11:22:05**
